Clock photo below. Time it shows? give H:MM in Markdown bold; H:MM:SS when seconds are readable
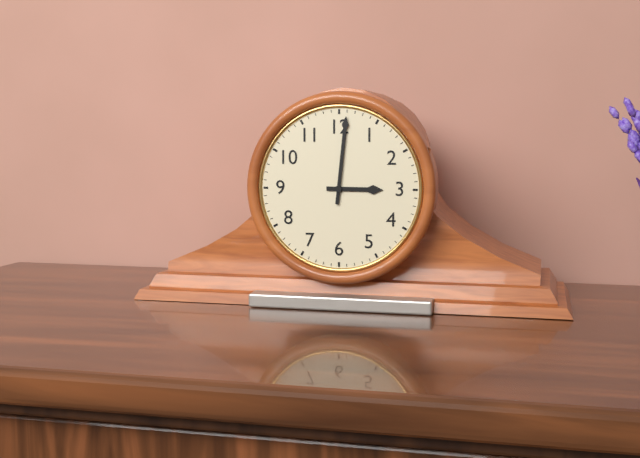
**3:01**
